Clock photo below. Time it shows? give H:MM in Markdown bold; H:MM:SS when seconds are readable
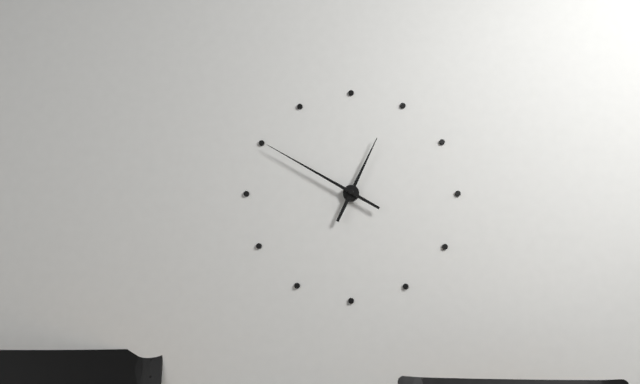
**12:50**
